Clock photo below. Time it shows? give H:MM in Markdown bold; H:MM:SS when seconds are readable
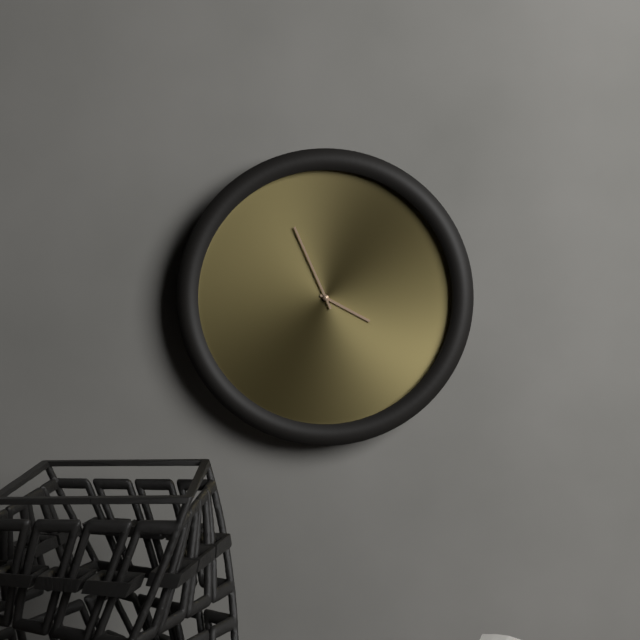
**3:56**
